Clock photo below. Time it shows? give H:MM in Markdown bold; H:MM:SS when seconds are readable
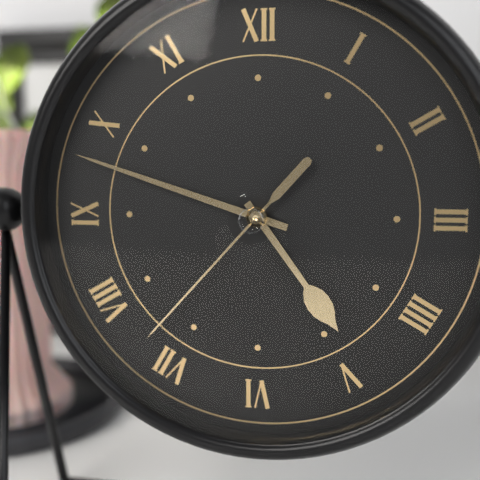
**4:48:37**
